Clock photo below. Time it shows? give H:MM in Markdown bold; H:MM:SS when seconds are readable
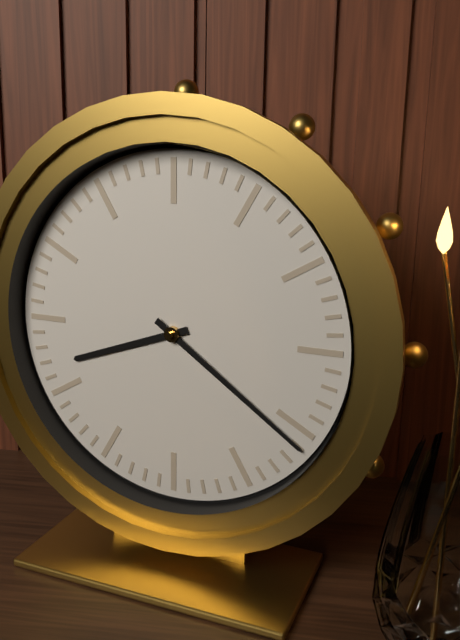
**8:21**
